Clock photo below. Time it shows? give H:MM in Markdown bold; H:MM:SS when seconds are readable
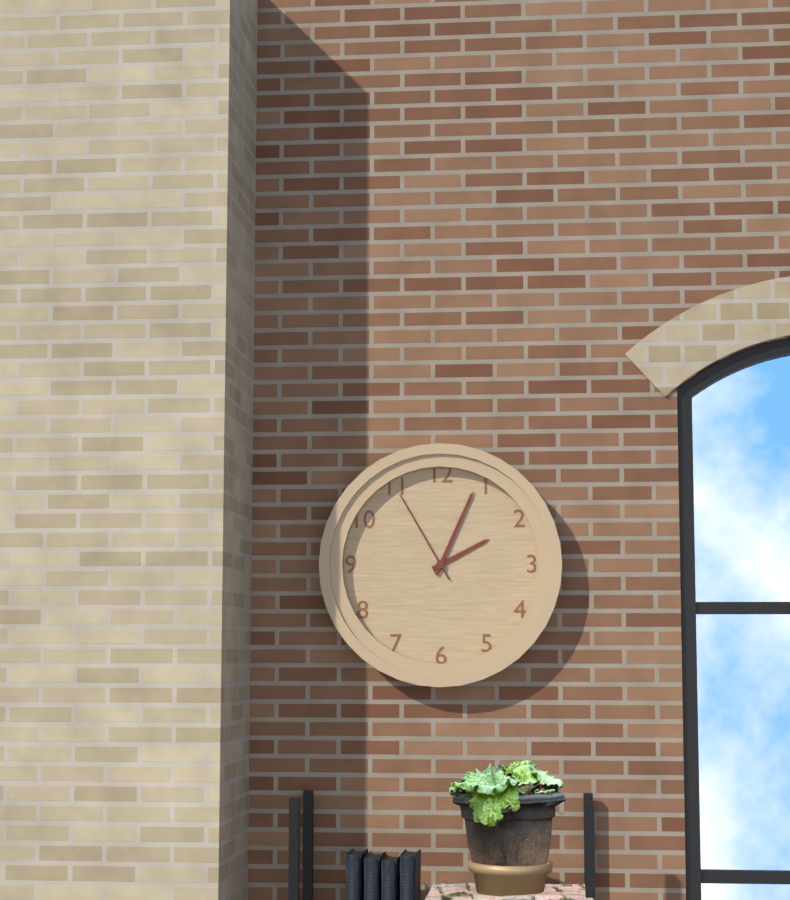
**2:04:55**
